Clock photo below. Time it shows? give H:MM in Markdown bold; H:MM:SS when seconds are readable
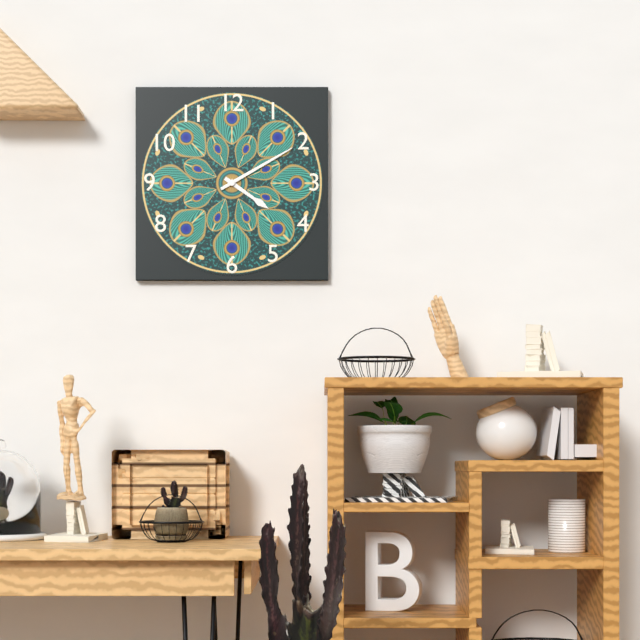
**4:10**
